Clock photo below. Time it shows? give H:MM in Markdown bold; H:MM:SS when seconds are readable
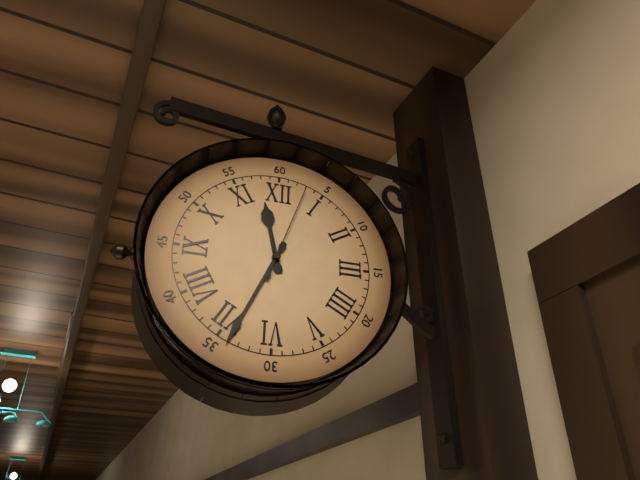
**11:34:03**
